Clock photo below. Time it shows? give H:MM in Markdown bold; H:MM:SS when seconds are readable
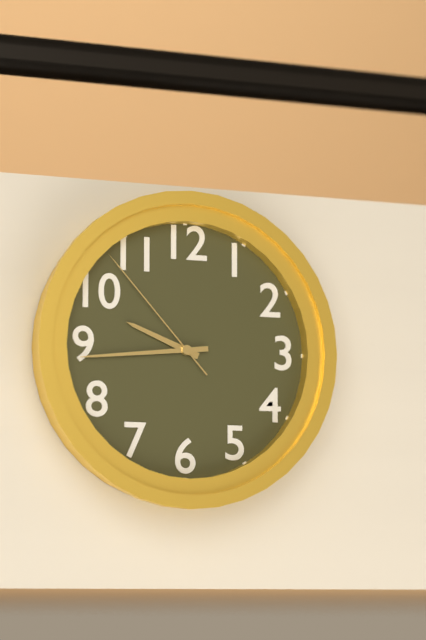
**9:44:53**
